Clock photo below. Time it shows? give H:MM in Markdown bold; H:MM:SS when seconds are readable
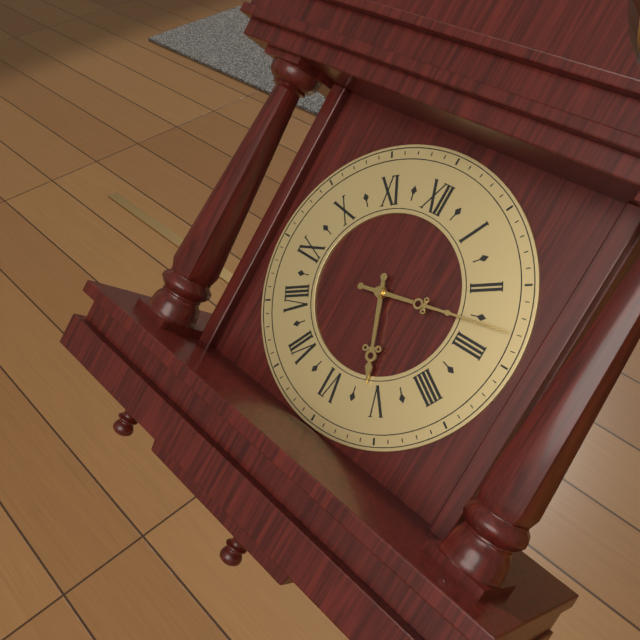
**5:13**
